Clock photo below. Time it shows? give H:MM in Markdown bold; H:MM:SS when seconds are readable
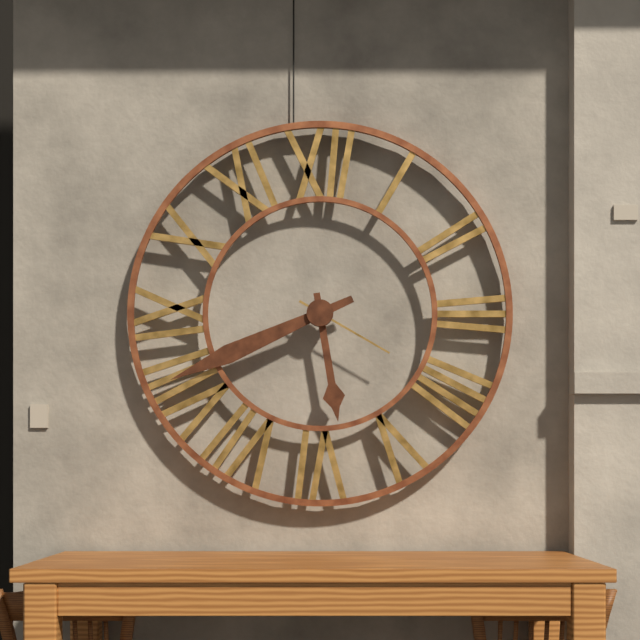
**5:41:20**
